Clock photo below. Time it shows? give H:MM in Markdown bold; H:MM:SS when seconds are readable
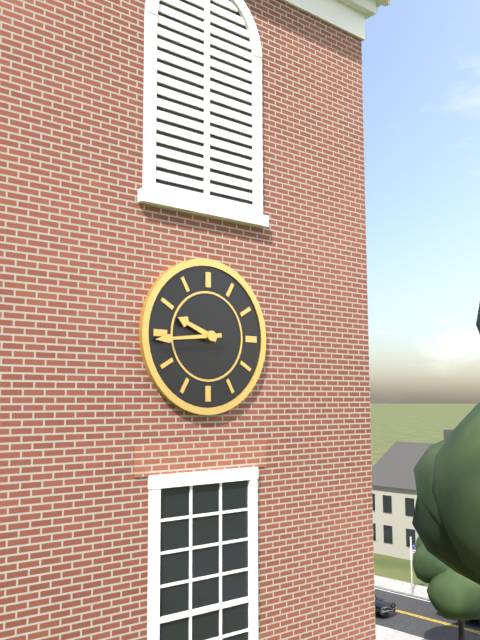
**9:44**
